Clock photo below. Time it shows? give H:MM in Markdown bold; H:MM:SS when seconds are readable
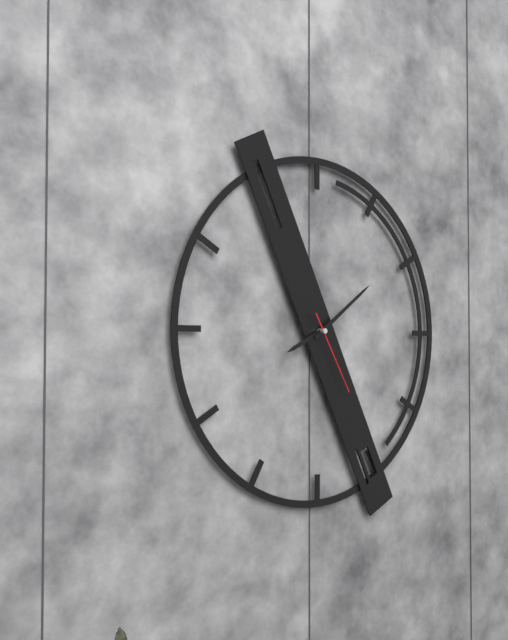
**8:09:25**
